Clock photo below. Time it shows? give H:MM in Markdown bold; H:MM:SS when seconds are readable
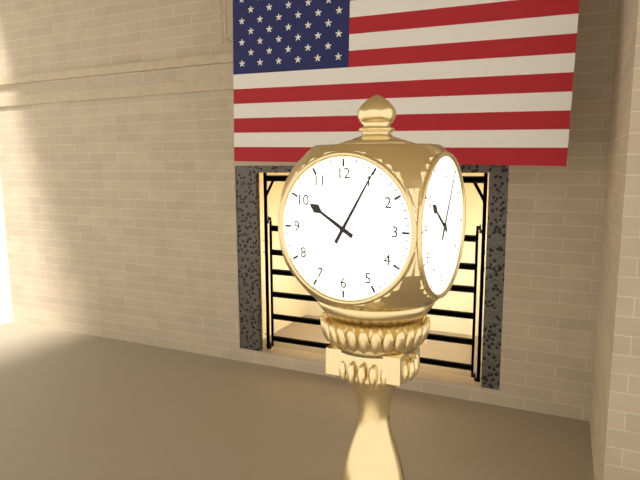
**10:05**
